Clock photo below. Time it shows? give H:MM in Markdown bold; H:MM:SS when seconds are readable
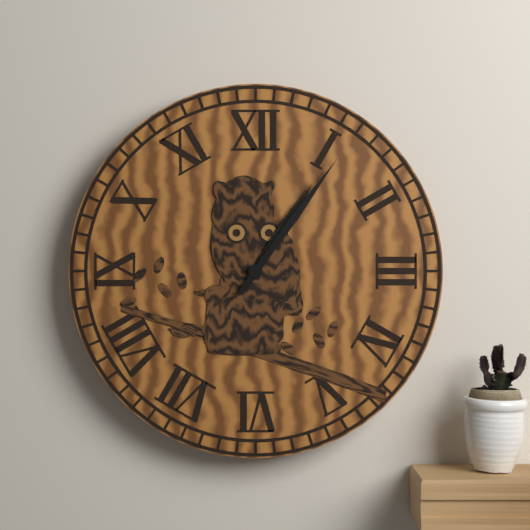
**1:06**
